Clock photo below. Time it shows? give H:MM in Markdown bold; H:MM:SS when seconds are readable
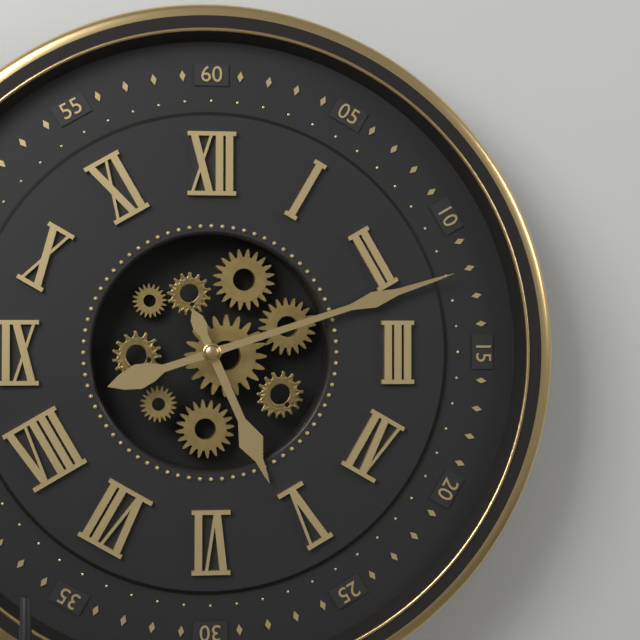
**5:12**
